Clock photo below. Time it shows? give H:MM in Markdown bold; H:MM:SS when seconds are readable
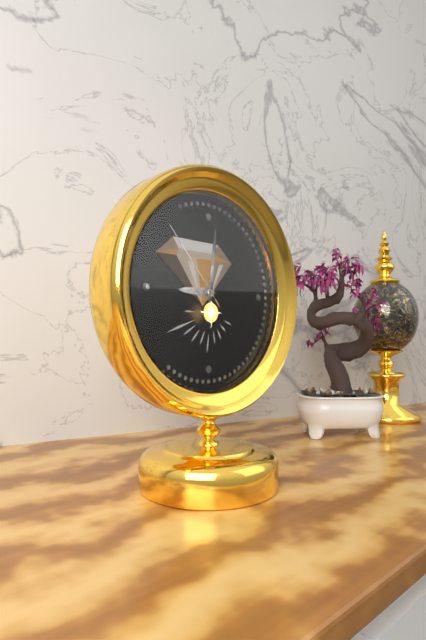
**9:01:53**
